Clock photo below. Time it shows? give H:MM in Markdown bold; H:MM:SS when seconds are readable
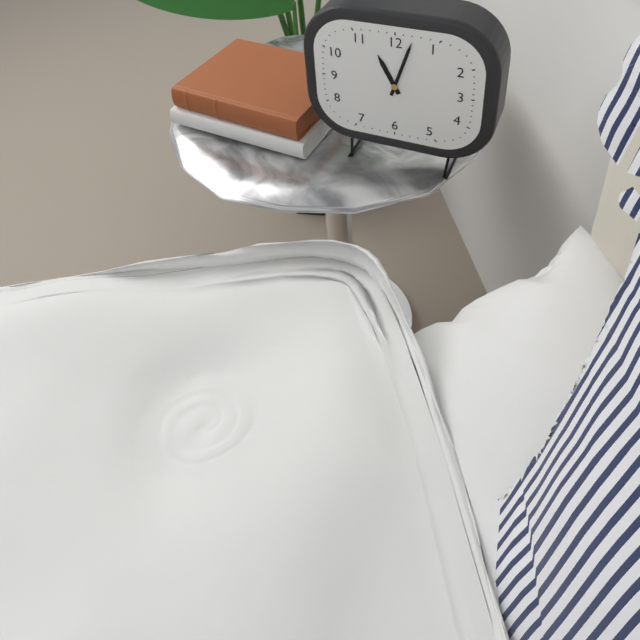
**11:03**
